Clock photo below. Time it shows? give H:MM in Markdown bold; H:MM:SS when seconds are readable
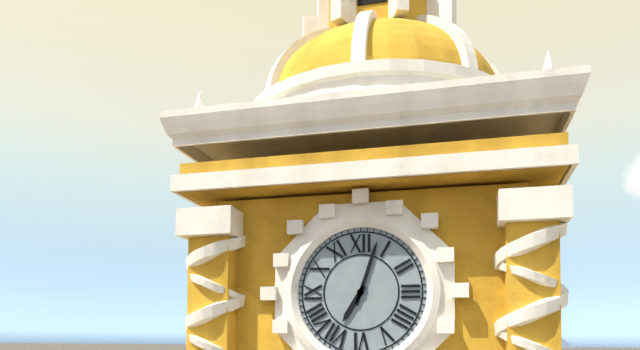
**7:03**
